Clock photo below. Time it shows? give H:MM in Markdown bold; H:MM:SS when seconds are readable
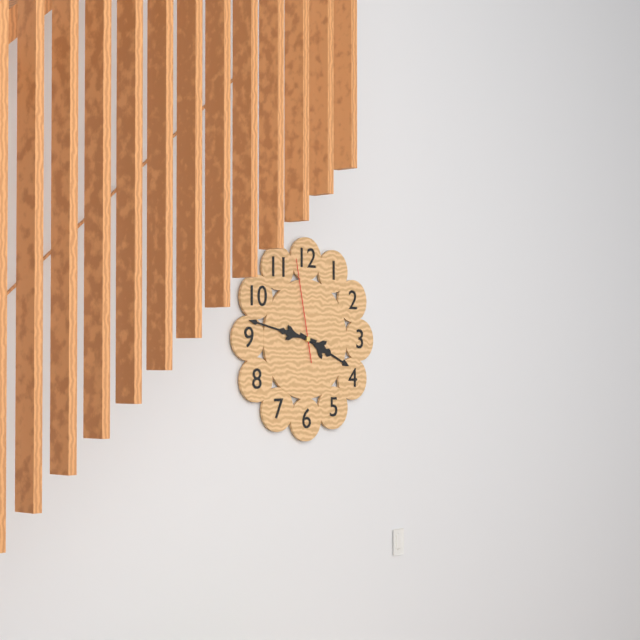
**3:47:58**
